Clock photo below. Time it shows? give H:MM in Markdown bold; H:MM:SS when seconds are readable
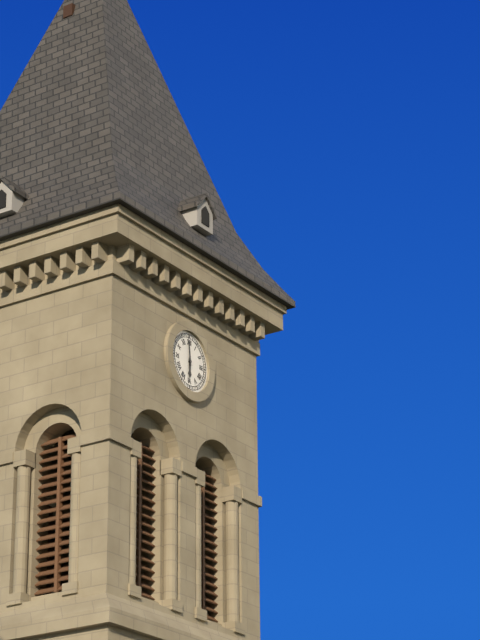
**5:59**
